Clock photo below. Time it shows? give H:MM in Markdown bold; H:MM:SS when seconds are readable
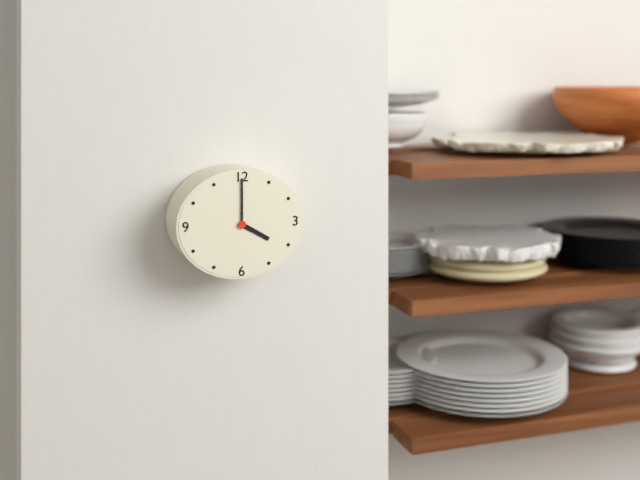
**4:00**
